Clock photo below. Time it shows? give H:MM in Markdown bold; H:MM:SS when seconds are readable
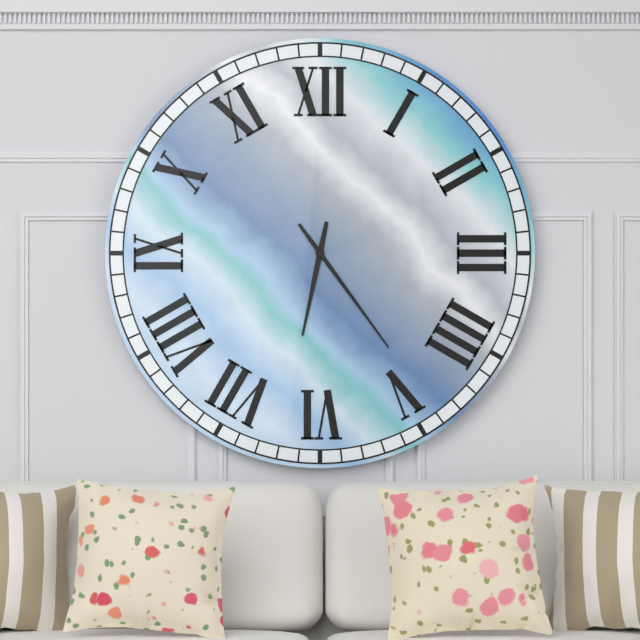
**6:24**
